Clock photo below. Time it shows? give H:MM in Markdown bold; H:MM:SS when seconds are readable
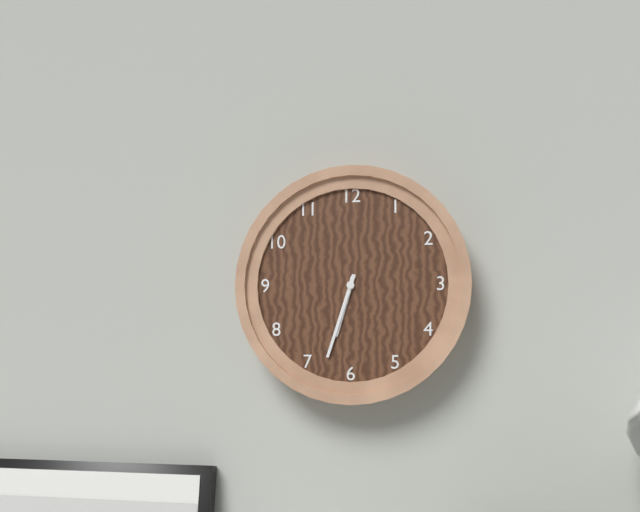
**6:33**
